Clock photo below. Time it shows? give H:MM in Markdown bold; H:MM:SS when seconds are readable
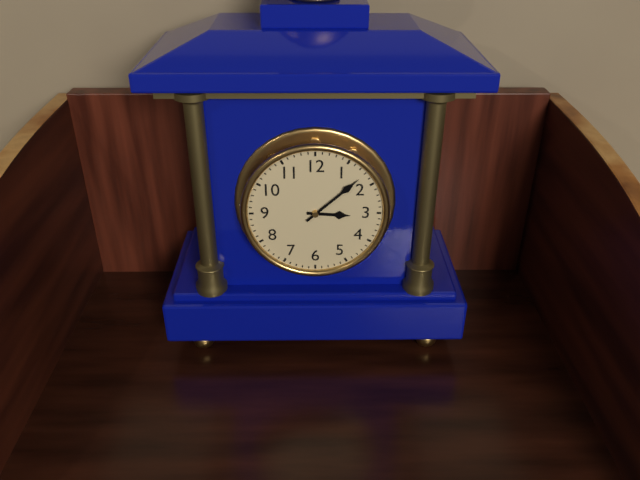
**3:08**
